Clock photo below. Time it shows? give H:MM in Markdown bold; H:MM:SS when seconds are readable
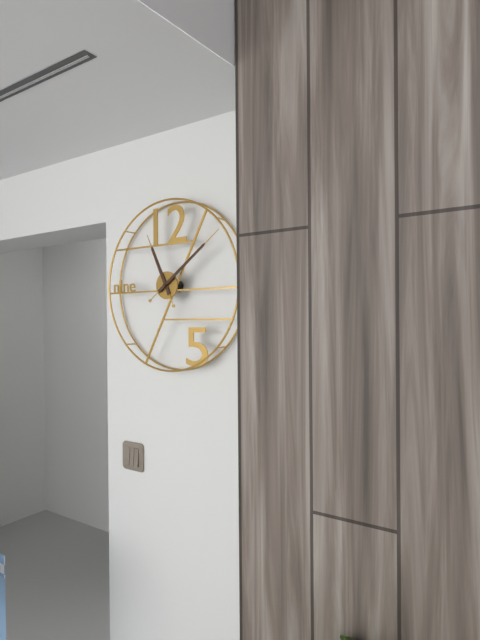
**11:09**
